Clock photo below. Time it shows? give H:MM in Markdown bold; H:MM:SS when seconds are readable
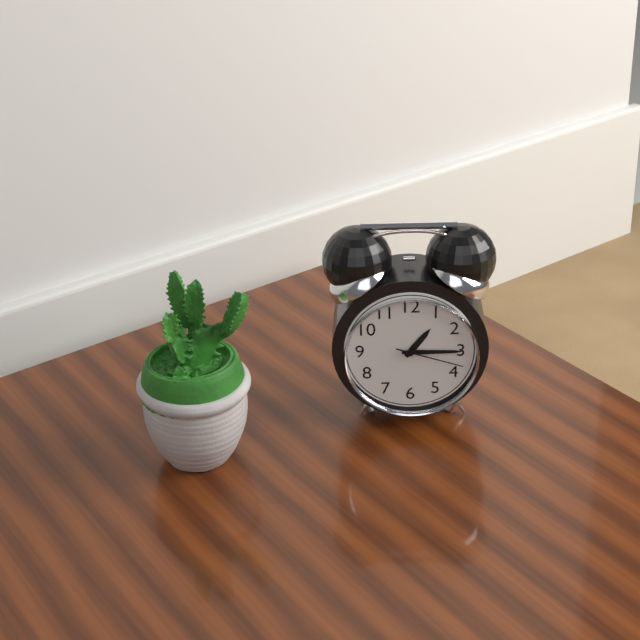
**1:15:18**
